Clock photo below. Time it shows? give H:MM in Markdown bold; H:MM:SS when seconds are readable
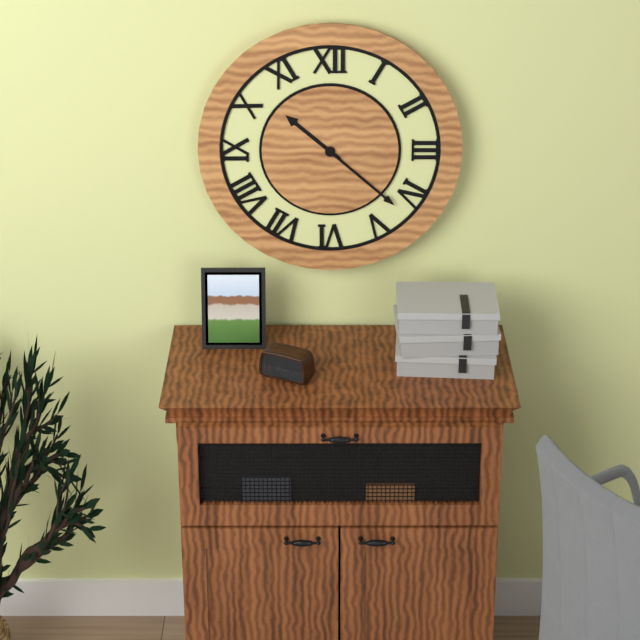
**10:22**
